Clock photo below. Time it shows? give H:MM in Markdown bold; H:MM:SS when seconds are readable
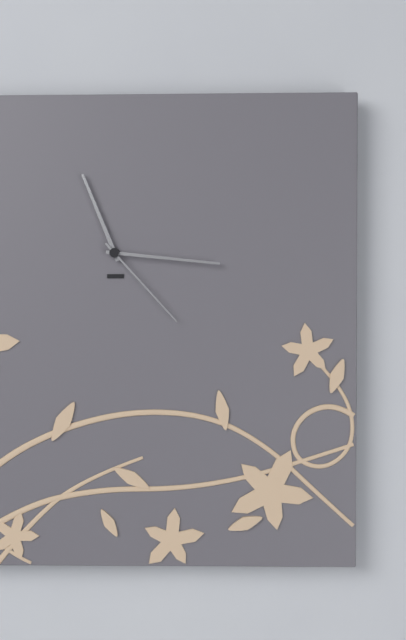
**11:16:23**
